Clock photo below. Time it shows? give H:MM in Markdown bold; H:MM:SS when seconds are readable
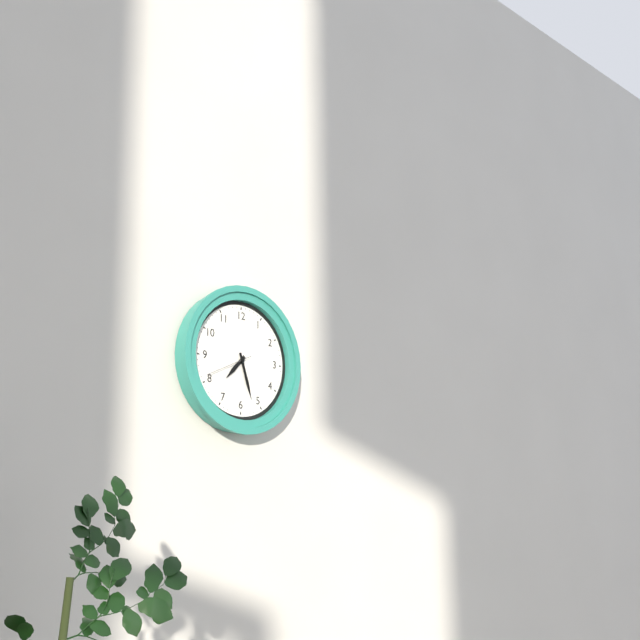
**7:27**
